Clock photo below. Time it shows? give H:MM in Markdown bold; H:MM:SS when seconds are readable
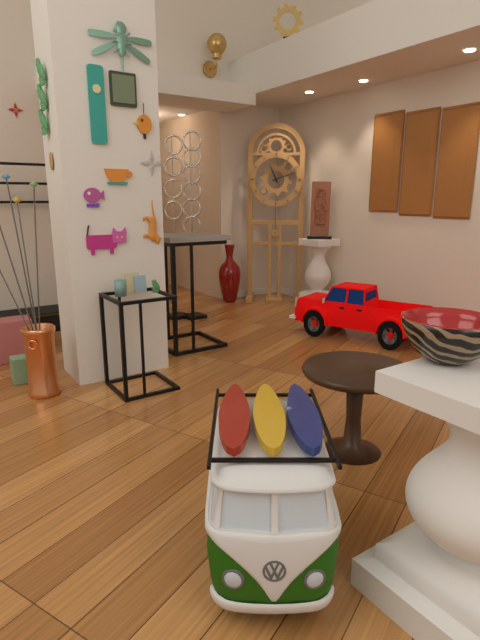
**11:12**
